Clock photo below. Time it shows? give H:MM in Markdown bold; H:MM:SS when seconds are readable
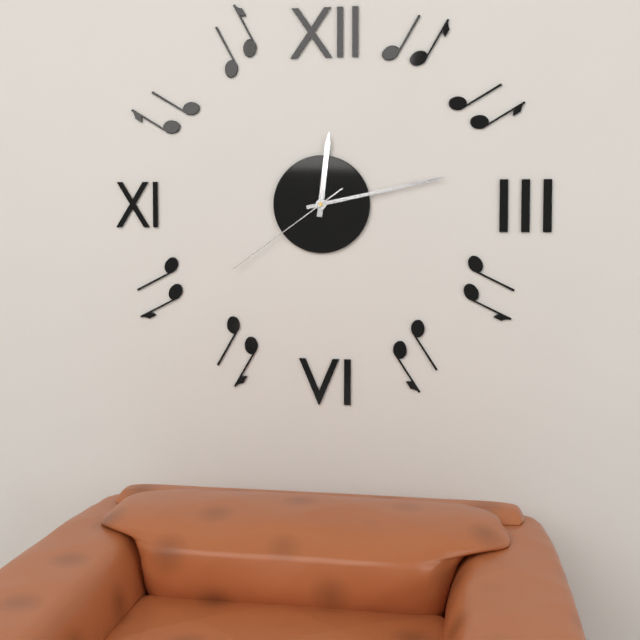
**12:13:39**
